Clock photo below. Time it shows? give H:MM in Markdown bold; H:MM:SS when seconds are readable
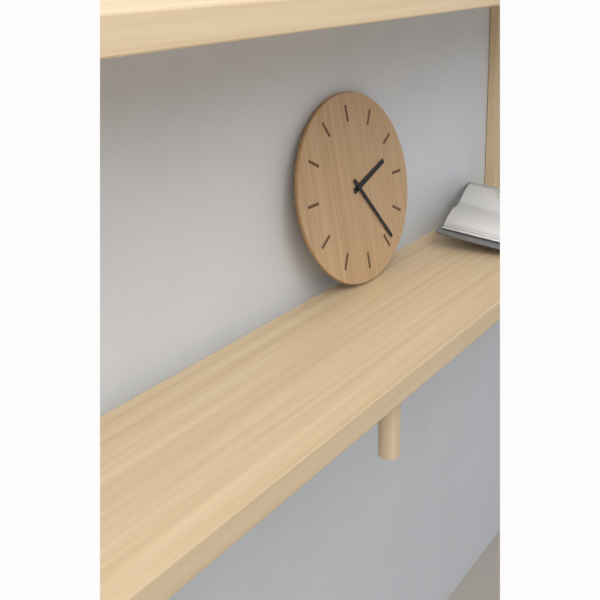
**2:24**
